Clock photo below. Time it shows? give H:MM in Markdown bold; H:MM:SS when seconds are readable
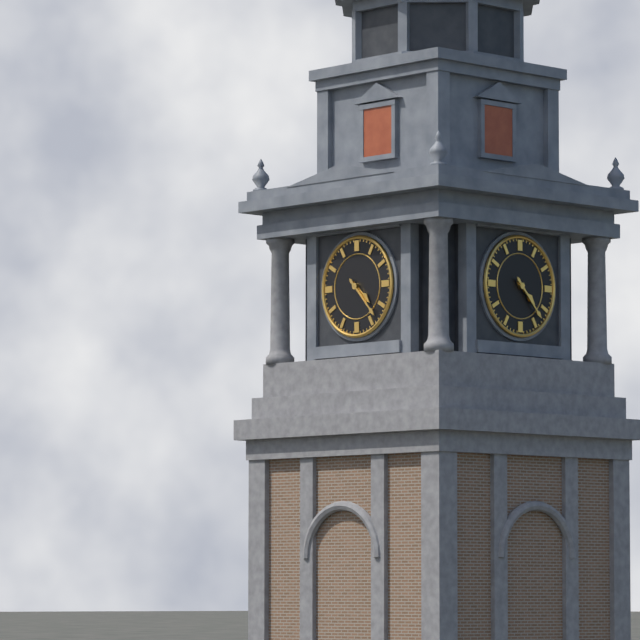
**4:23**
